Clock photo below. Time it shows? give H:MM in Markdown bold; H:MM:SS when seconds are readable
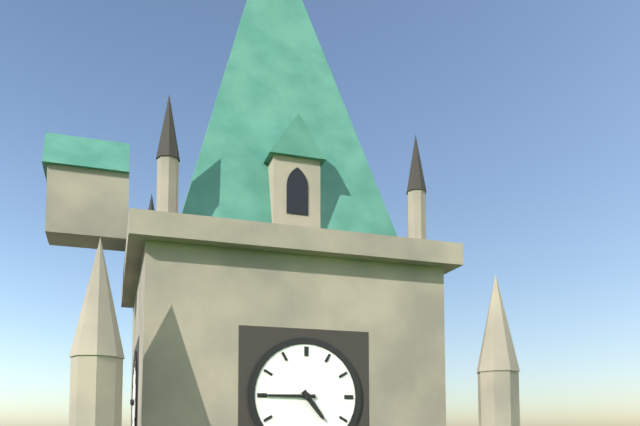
**4:45**
